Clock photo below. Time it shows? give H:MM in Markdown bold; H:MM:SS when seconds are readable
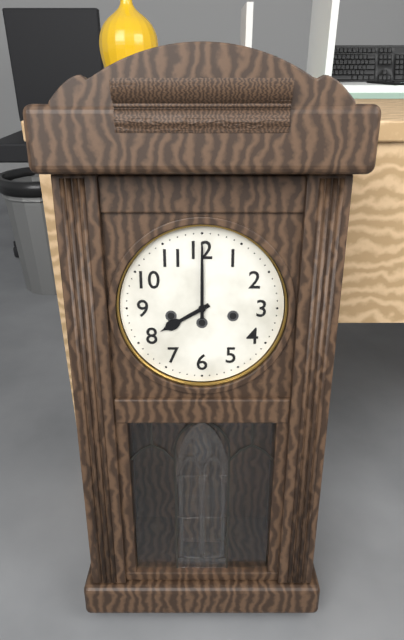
**8:00**
